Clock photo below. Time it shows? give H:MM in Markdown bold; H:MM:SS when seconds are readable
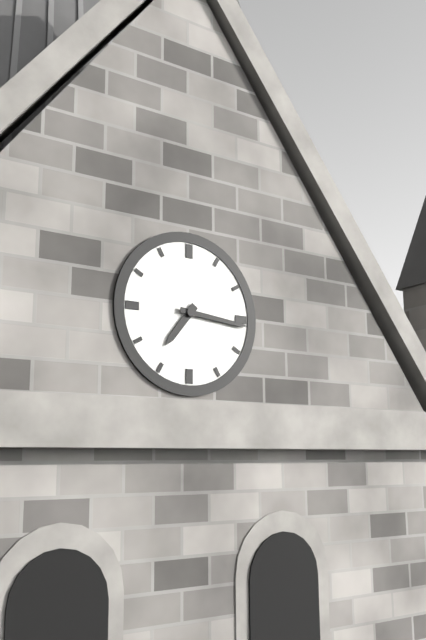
**7:16**
